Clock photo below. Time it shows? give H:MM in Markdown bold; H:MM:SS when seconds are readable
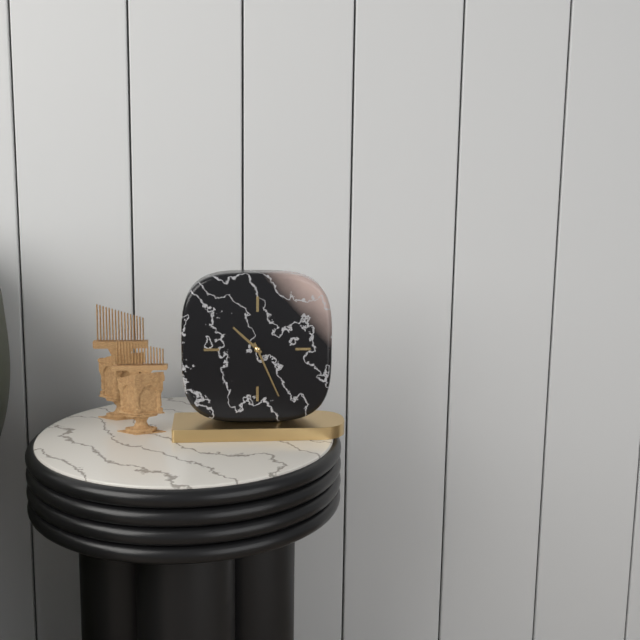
**10:26**
